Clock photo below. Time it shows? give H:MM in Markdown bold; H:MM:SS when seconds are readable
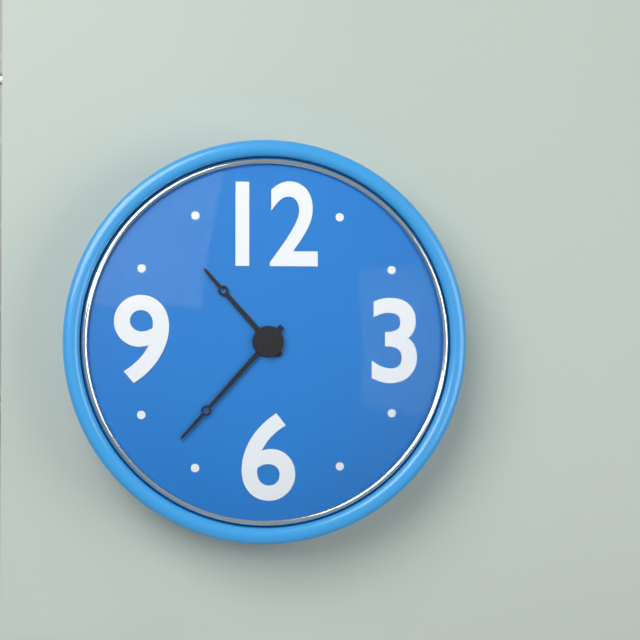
**10:37**
